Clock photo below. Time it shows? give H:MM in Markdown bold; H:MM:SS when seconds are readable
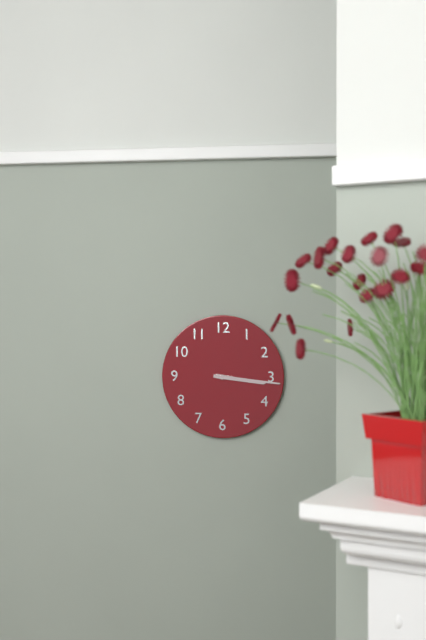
**3:16**
